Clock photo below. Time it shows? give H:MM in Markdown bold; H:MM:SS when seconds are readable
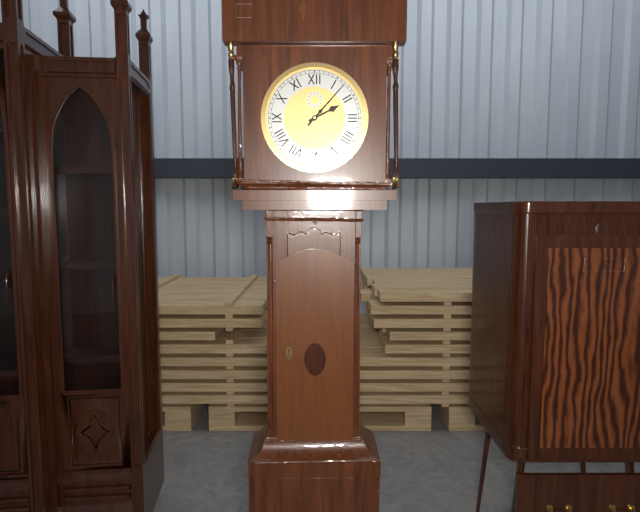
**2:07**
